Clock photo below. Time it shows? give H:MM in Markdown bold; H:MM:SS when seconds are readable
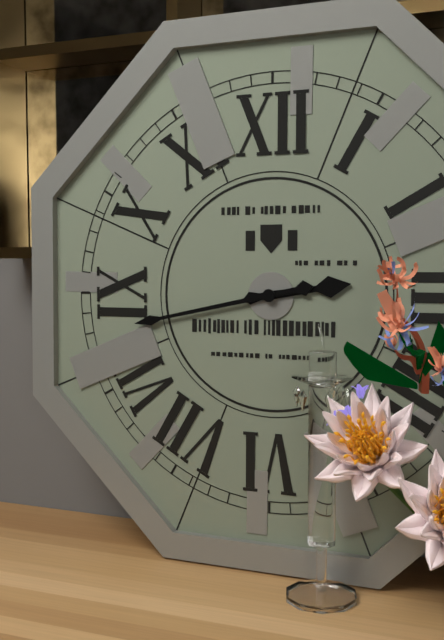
**2:43**
